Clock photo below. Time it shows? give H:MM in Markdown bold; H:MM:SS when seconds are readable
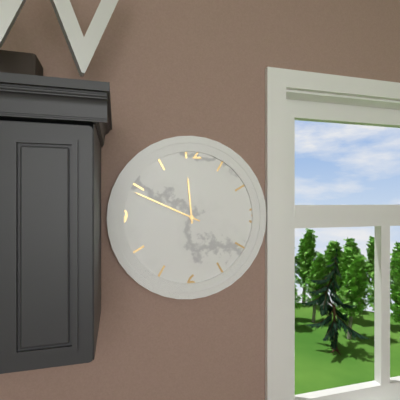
**11:49**
